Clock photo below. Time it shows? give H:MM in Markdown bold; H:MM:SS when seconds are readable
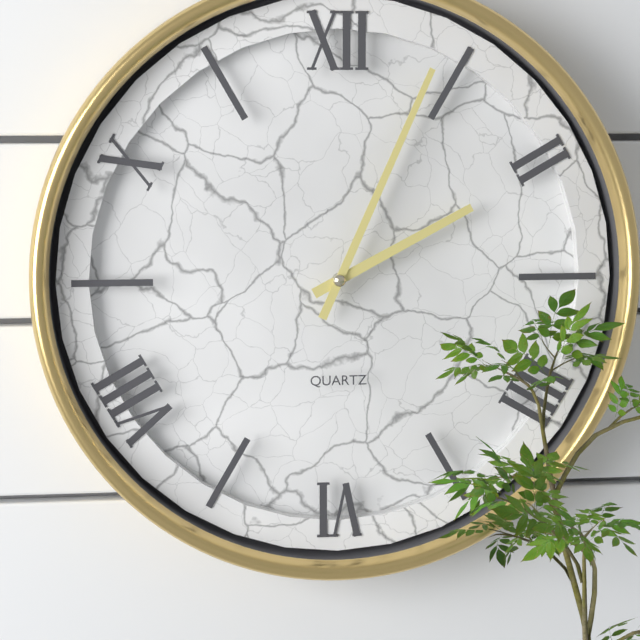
**2:04**
